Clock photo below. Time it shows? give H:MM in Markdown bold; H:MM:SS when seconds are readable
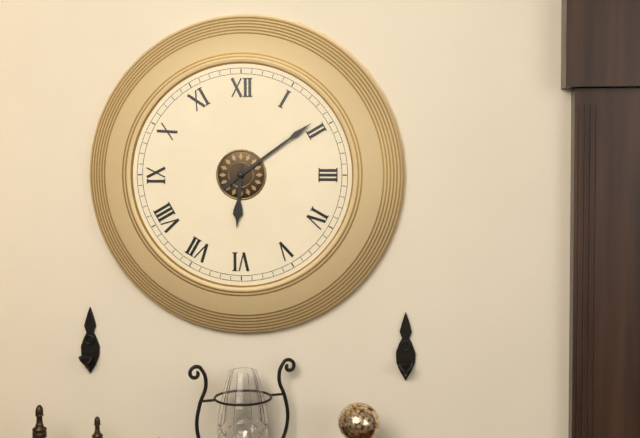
**6:09**
